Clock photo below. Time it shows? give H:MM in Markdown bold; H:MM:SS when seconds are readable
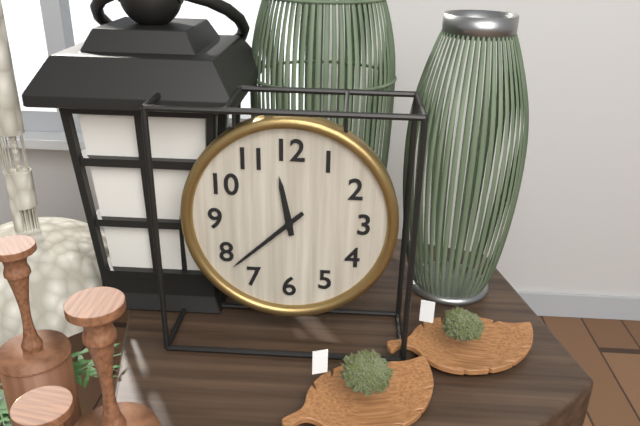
**11:38**
